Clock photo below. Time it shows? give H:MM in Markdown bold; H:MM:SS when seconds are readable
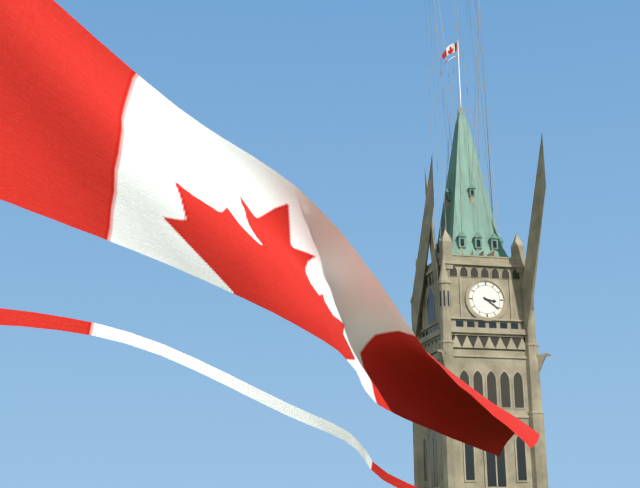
**3:21**
